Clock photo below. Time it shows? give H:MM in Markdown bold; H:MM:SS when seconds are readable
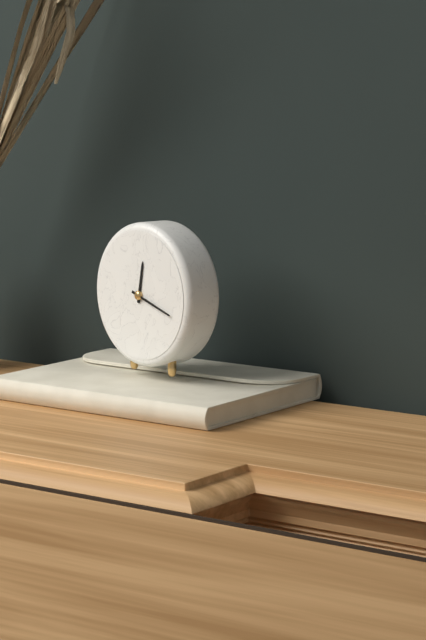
**12:18**
